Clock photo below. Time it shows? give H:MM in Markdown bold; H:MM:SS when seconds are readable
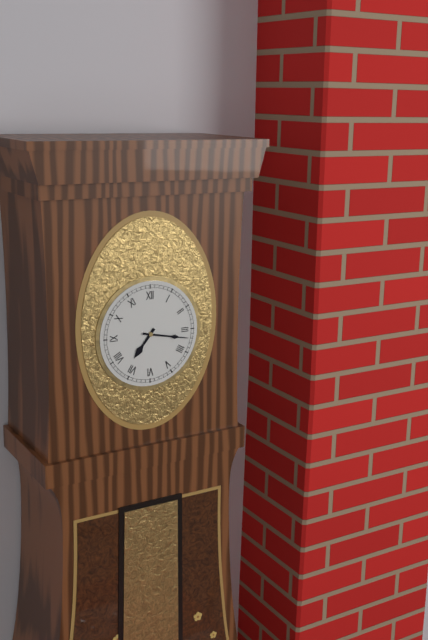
**7:17**
